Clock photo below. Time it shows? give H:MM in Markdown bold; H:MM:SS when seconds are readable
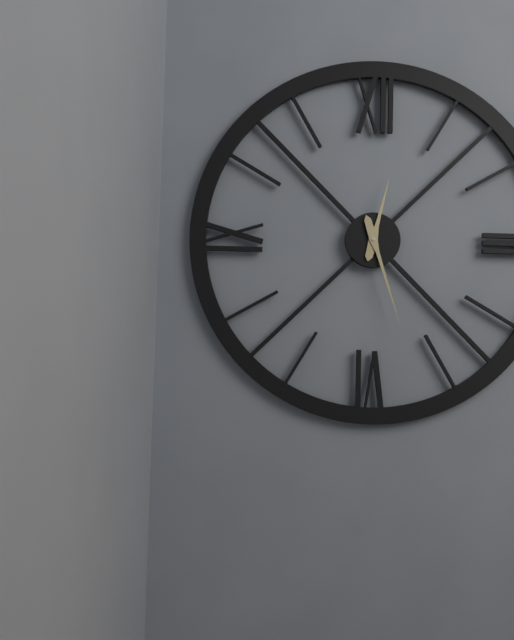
**12:27**
